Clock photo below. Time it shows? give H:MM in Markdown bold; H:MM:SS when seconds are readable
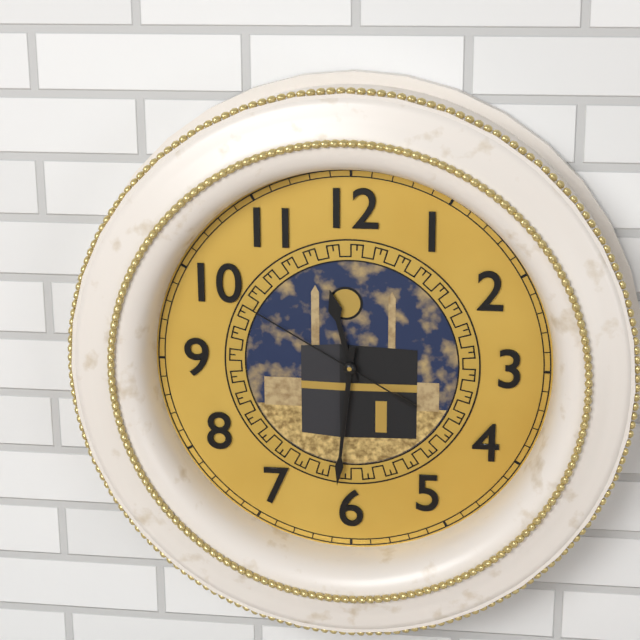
**11:31:50**
